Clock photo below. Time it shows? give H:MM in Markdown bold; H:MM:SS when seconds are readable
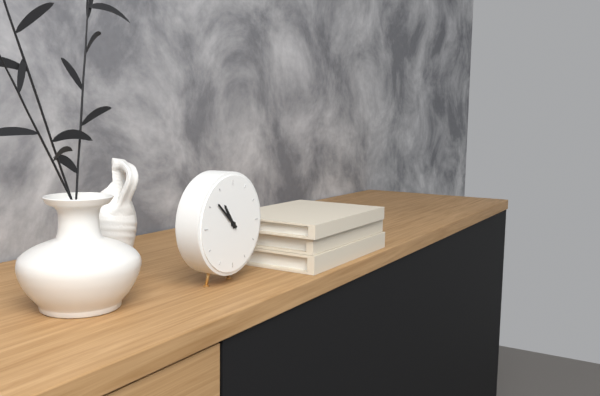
**10:52**
